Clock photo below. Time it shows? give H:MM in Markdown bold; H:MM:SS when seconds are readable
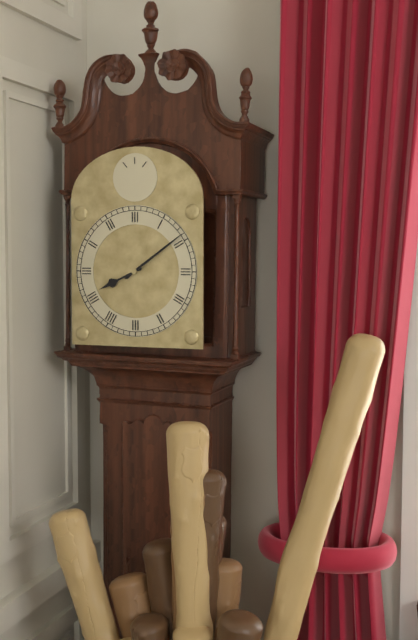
**8:09**
